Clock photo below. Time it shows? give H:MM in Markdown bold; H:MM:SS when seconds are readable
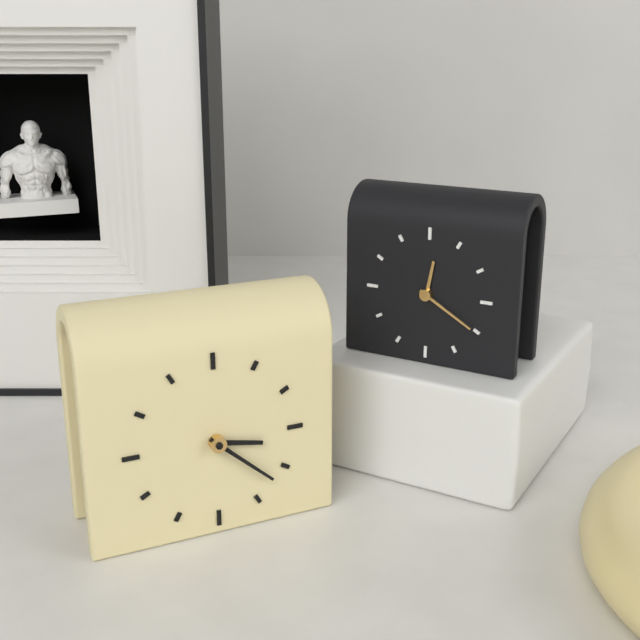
**3:22**
